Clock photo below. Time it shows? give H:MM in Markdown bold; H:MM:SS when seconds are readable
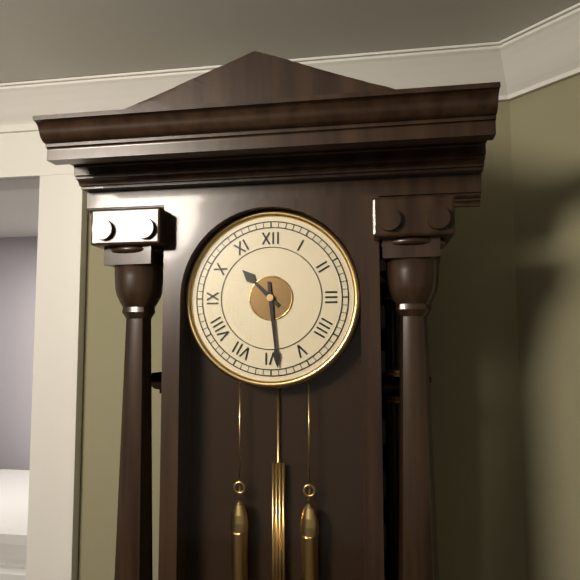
**10:29**
